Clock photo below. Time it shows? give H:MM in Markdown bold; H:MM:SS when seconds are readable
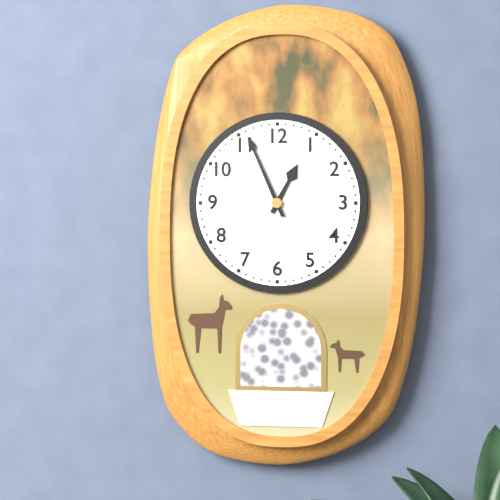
**12:56**
